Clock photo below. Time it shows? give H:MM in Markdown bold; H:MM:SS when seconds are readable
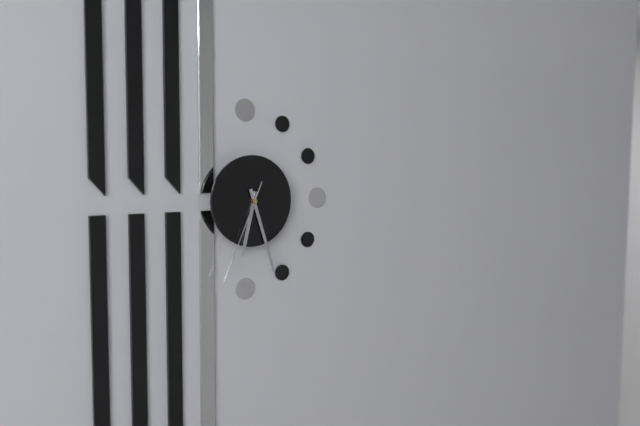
**6:27:34**
